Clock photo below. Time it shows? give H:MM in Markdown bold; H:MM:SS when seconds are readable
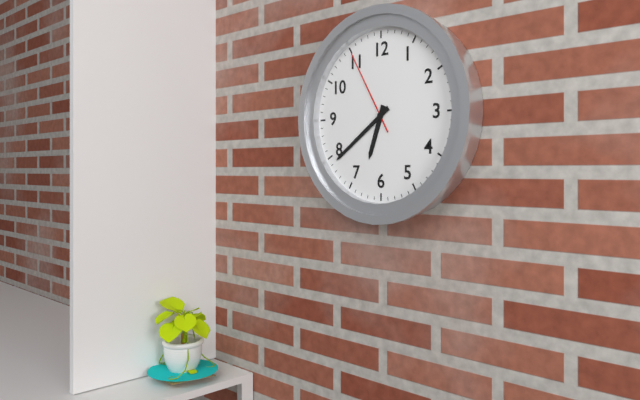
**6:39:55**
